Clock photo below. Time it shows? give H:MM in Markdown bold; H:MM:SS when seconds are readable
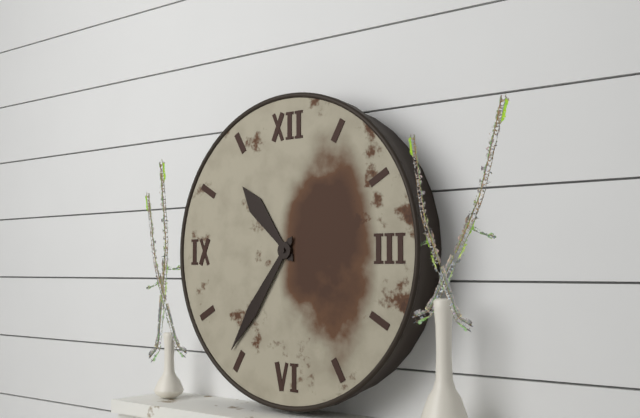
**10:36**
